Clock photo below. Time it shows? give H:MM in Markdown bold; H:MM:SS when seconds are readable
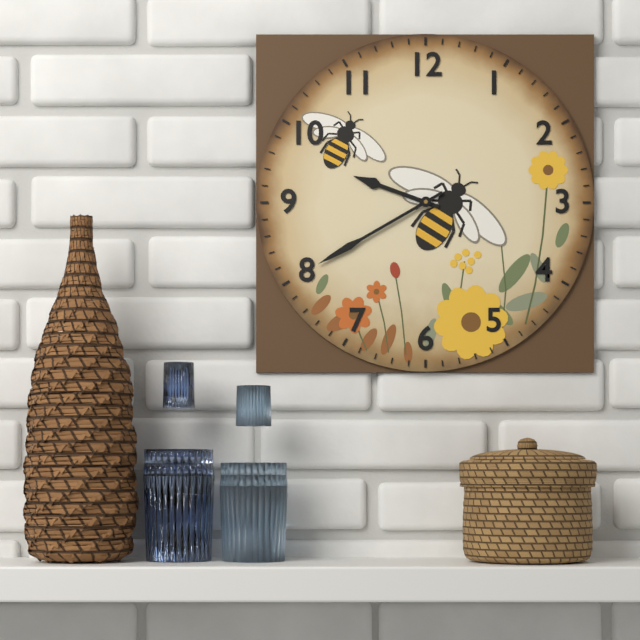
**9:40**
